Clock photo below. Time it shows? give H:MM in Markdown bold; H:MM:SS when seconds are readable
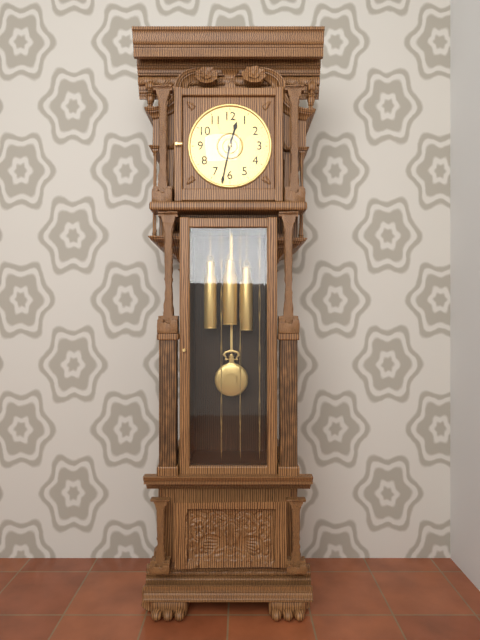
**12:32**
